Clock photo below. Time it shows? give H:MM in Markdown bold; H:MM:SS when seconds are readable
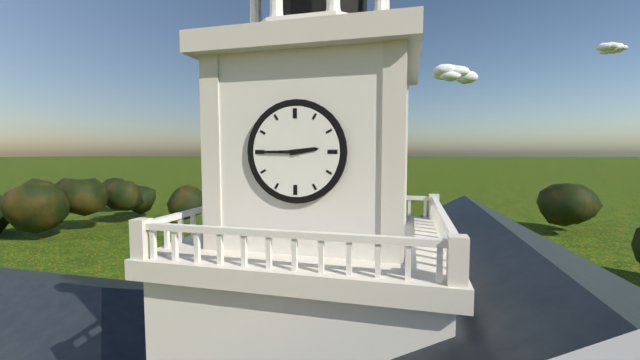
**2:45**
